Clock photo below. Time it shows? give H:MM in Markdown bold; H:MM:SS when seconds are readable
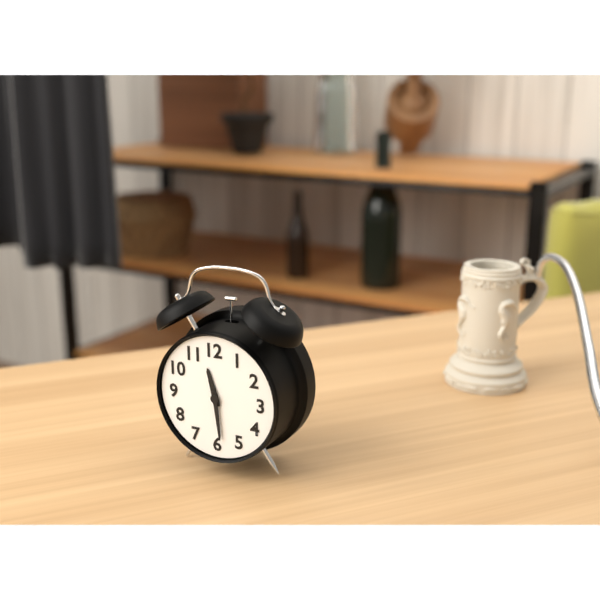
**11:29**
